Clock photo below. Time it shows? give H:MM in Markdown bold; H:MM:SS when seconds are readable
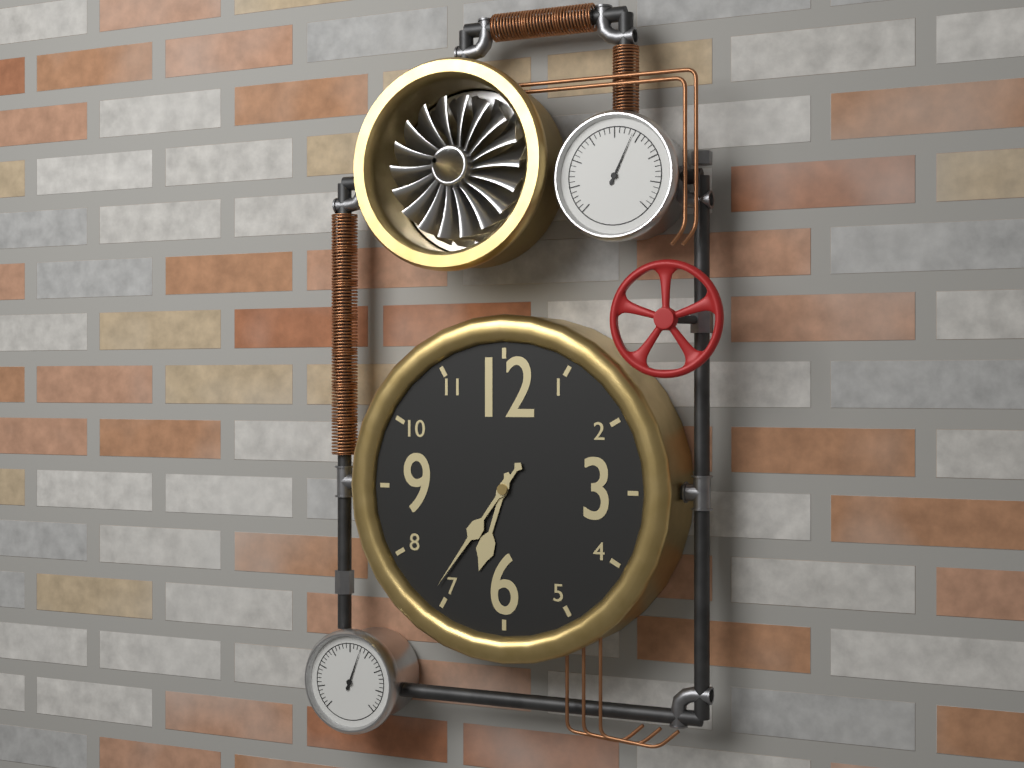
**6:36**
